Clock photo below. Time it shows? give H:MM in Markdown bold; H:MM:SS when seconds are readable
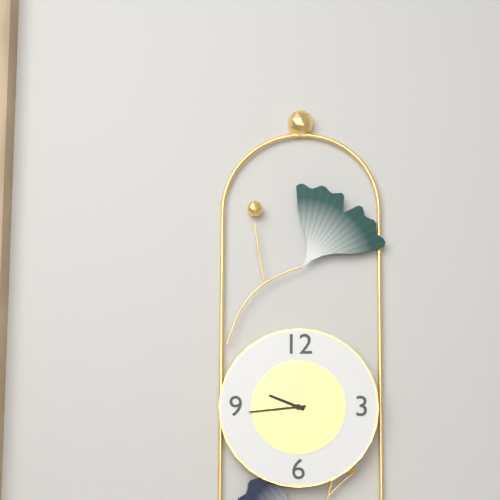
**9:44**
